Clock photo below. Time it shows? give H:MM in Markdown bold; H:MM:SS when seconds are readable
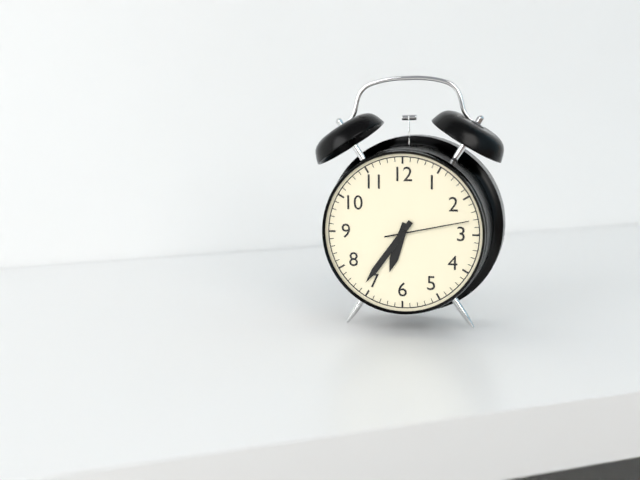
**6:36:13**
